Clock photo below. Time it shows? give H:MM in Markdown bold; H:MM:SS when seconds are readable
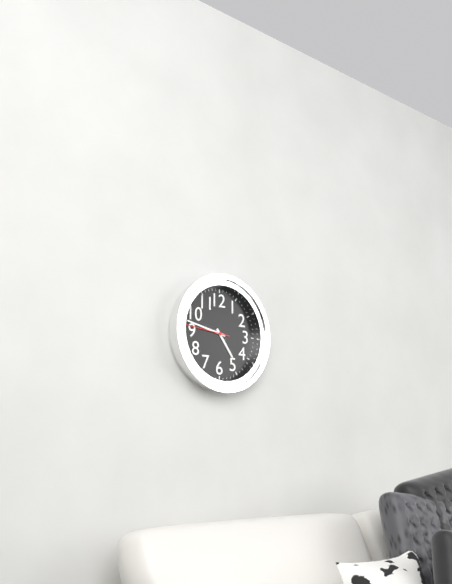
**4:47**
